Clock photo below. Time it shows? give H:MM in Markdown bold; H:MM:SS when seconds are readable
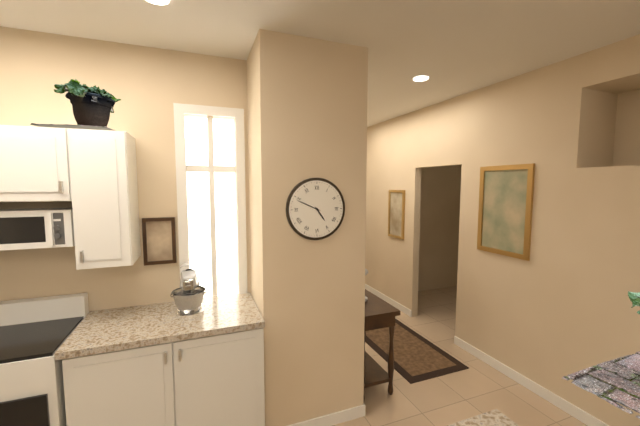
**4:49**
